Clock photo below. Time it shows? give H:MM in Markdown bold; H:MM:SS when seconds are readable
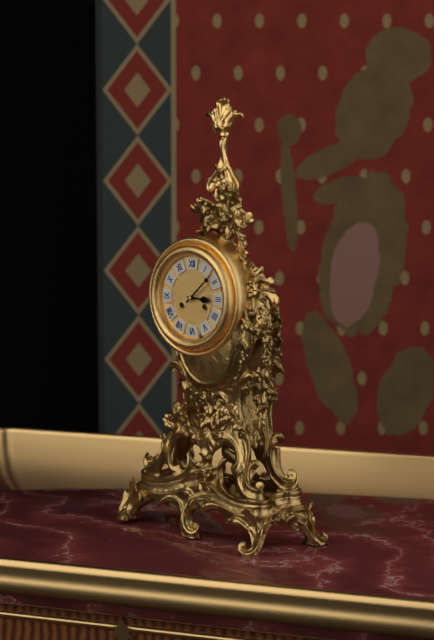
**3:08**
